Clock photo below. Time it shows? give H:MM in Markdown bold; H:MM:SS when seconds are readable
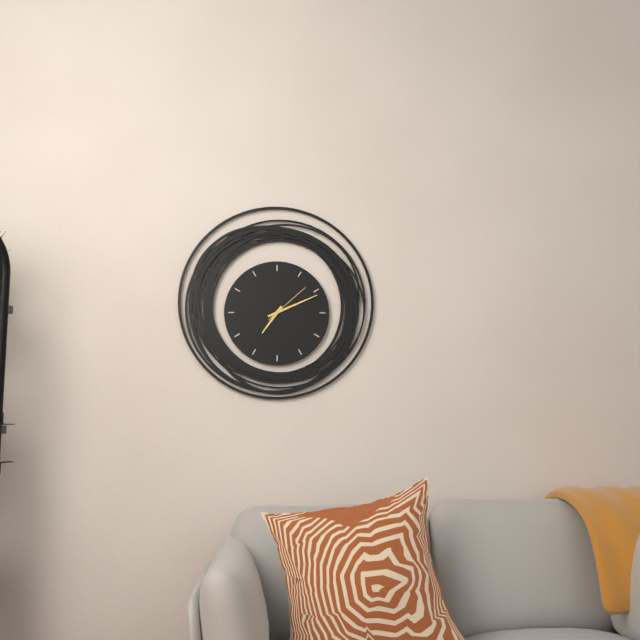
**7:11**
